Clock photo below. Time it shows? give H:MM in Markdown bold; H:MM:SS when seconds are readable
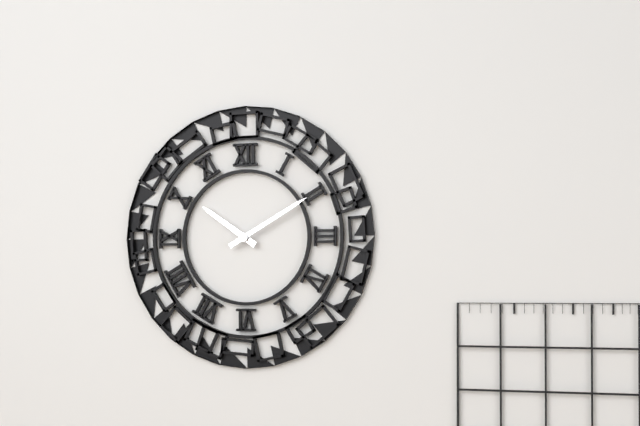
**10:10**
